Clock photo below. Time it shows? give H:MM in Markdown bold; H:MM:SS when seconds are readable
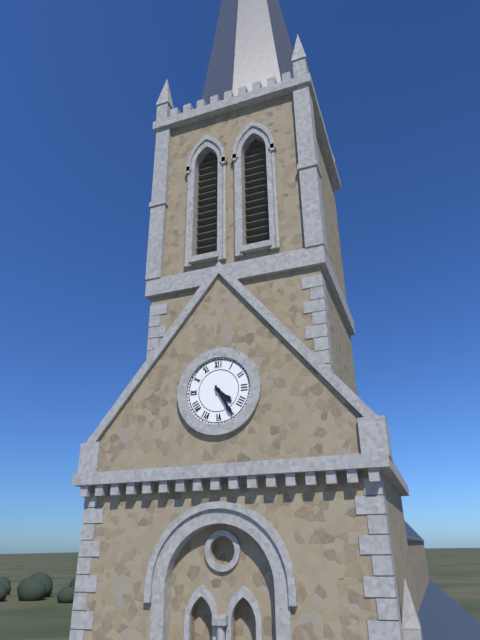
**4:25**
